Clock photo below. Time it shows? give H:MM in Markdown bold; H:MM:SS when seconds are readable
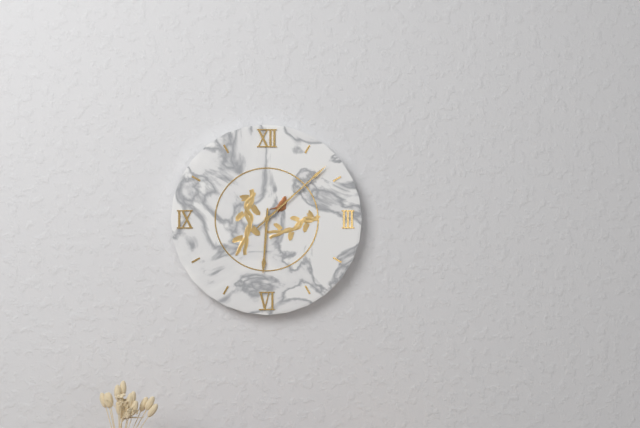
**6:08**
